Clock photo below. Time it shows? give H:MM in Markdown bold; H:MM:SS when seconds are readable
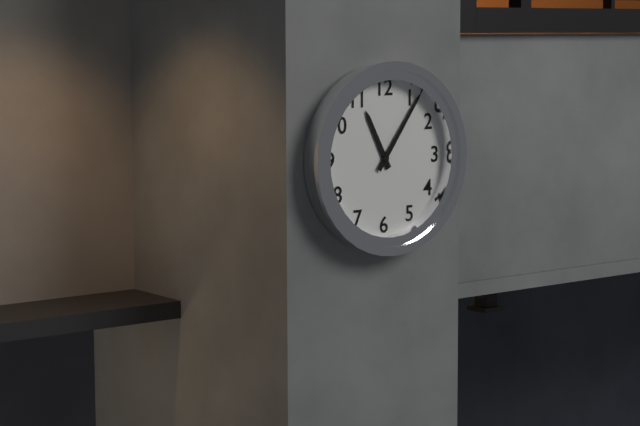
**11:06**
